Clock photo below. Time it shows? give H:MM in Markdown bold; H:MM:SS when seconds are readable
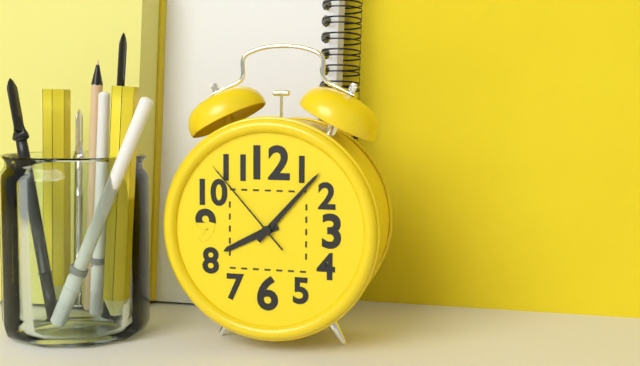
**8:07:53**
